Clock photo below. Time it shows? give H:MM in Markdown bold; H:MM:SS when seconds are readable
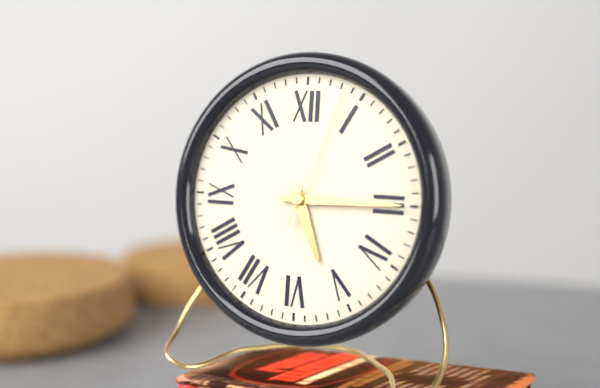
**5:15:03**
